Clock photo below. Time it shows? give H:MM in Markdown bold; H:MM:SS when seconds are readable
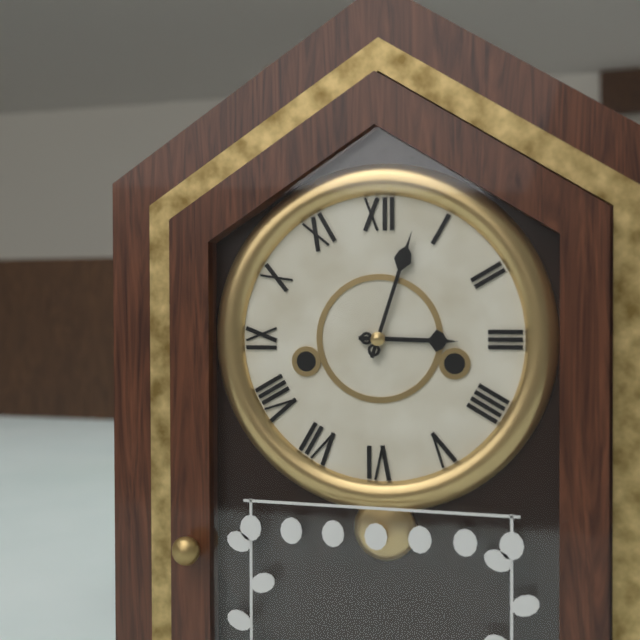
**3:03**
